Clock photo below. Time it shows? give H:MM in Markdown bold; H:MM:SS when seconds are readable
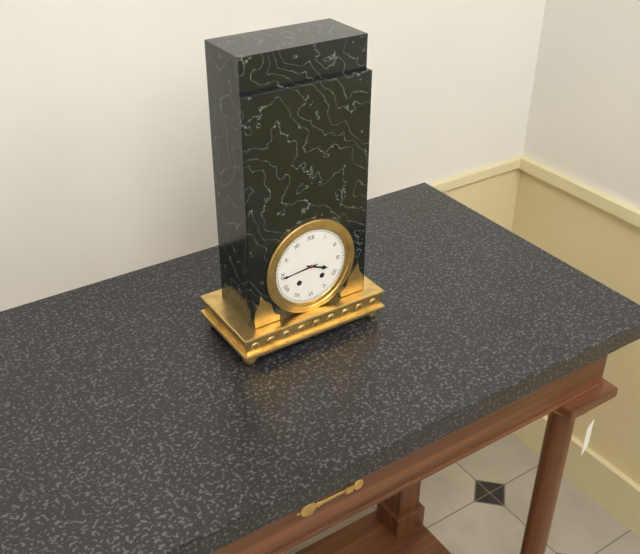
**3:44**
